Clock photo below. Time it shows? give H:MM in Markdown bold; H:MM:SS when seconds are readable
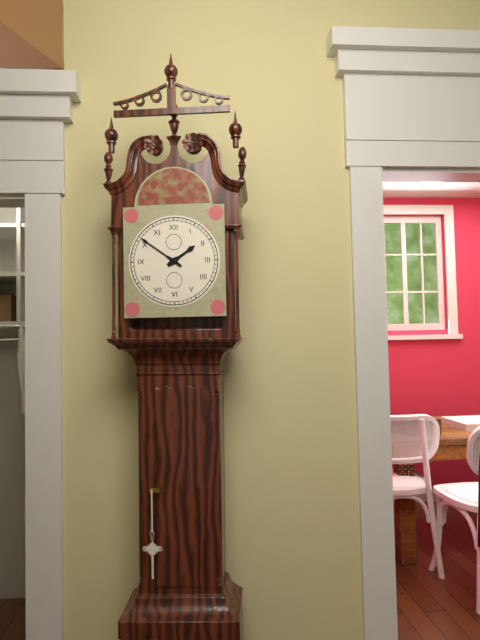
**1:51**
